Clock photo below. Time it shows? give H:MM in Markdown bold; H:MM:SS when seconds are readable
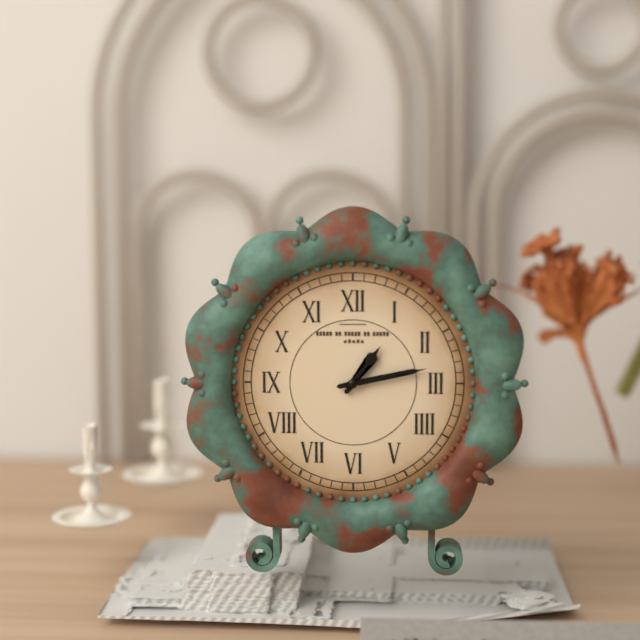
**1:13**
